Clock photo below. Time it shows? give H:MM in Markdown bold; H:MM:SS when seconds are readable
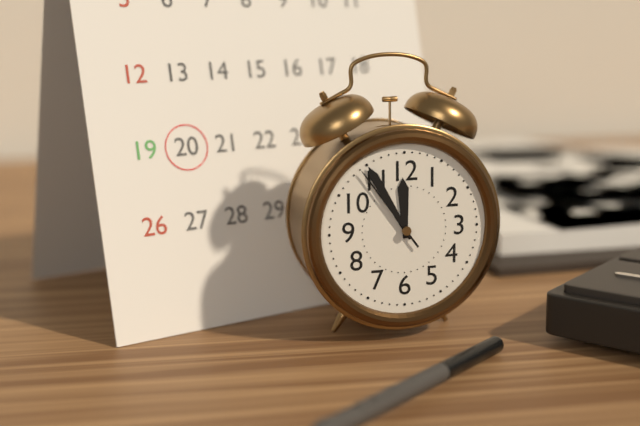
**11:55:54**
